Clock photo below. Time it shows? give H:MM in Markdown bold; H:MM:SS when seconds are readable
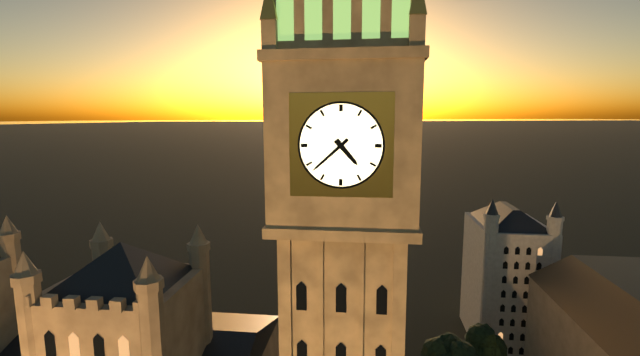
**4:38**
